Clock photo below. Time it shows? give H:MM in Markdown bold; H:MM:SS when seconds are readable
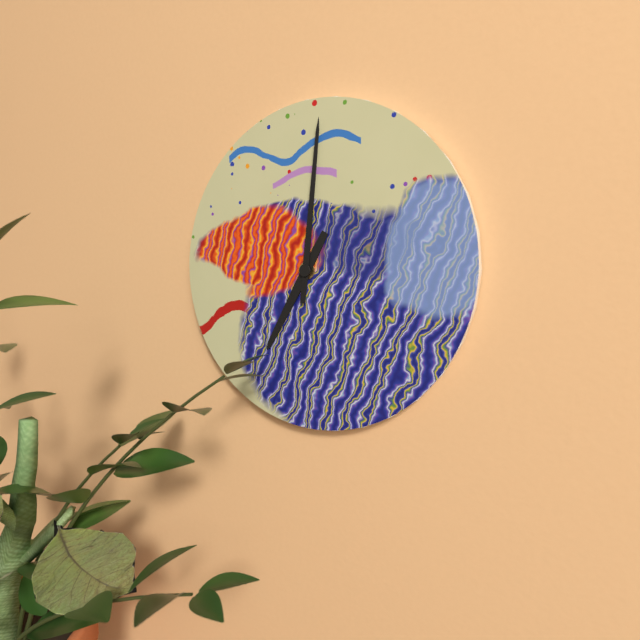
**7:01**
